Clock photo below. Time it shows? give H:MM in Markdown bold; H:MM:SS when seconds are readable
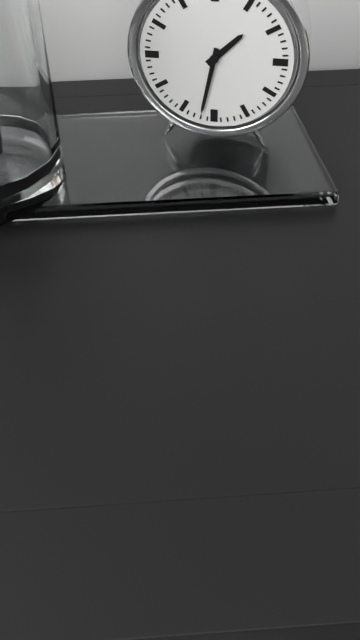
**1:32**
